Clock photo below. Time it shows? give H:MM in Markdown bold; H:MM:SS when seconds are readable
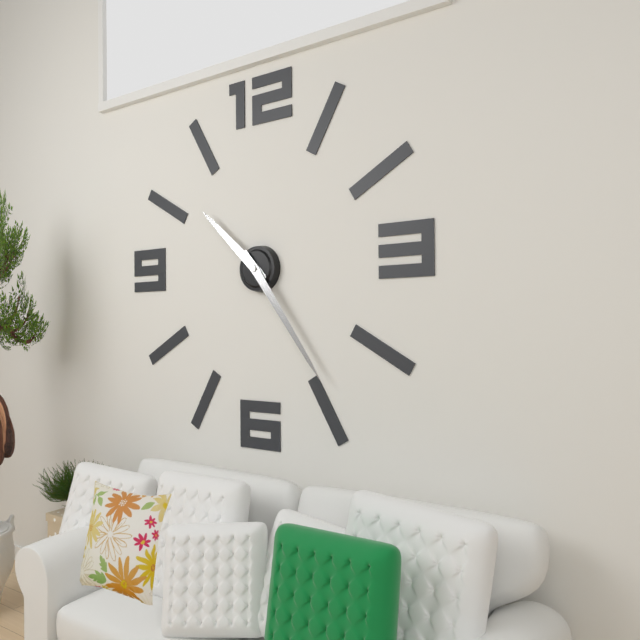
**10:24**
